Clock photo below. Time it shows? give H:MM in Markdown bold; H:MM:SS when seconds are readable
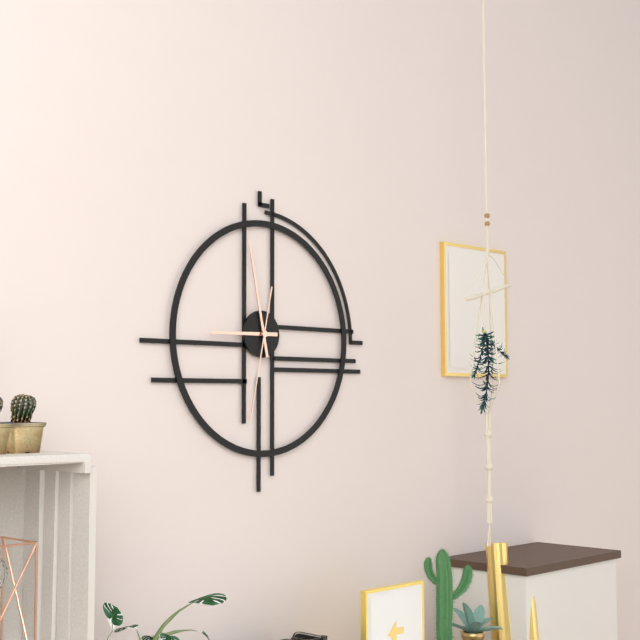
**8:58:32**
